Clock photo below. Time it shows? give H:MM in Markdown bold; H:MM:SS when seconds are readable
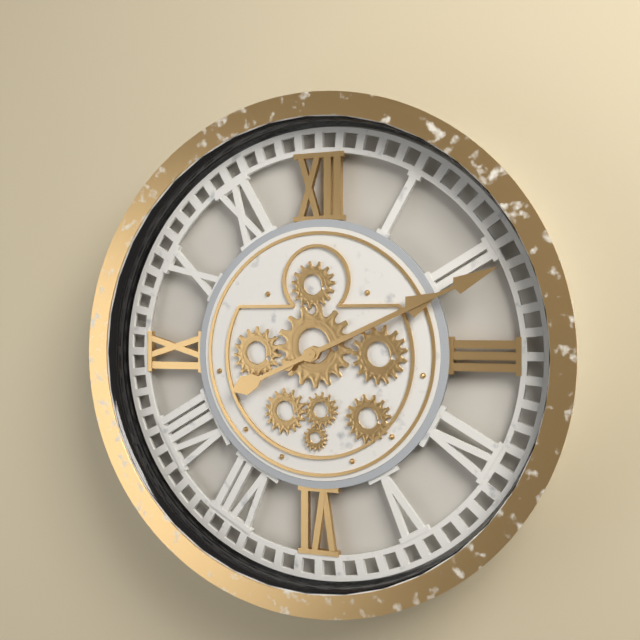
**2:11**
